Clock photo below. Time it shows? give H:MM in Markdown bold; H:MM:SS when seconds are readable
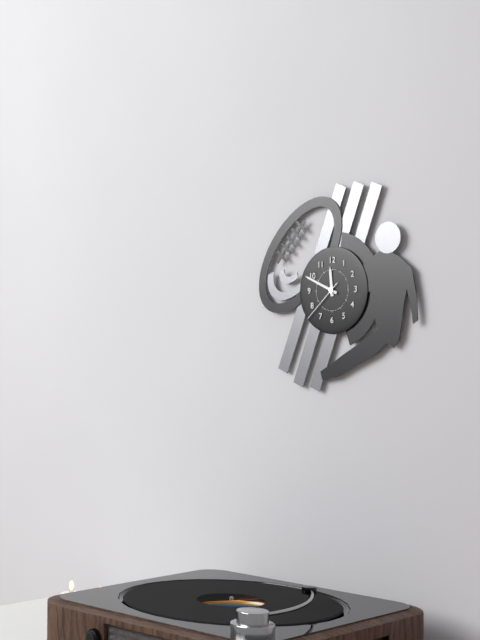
**11:49**
